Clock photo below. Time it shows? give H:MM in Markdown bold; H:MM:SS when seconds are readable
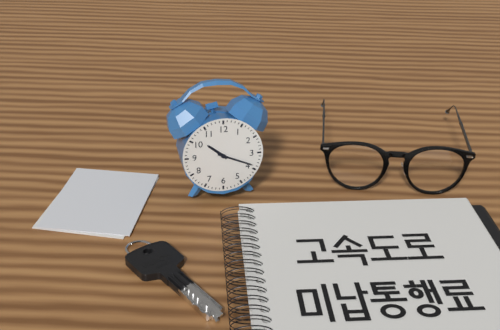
**10:19**
